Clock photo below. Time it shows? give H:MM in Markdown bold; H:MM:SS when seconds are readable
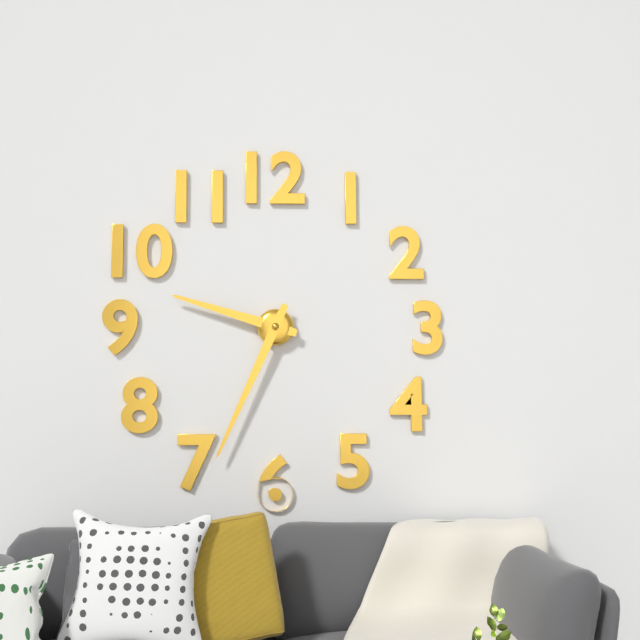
**9:34**
